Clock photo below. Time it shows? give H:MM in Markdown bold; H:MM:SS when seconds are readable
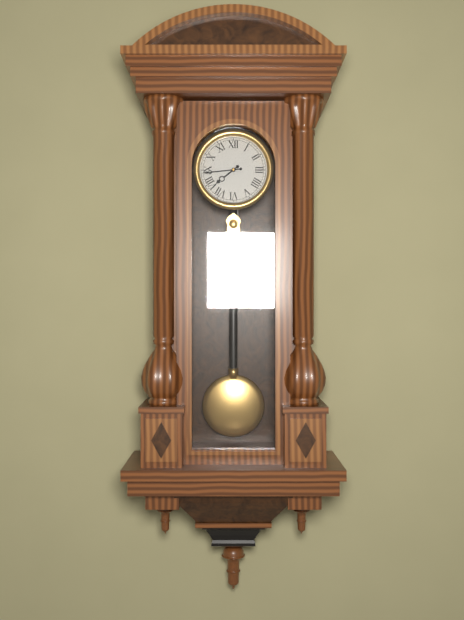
**7:44**
